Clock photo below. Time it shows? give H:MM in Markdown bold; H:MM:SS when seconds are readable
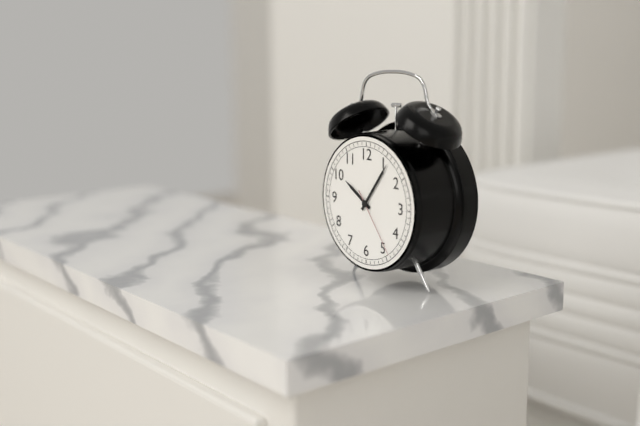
**10:06:24**
